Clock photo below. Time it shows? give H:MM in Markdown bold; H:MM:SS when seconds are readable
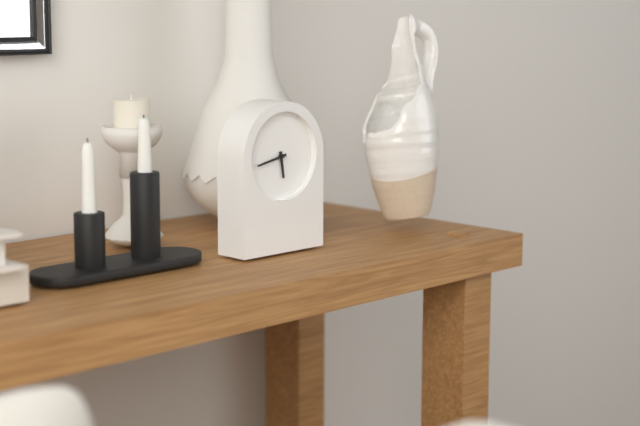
**5:43**
